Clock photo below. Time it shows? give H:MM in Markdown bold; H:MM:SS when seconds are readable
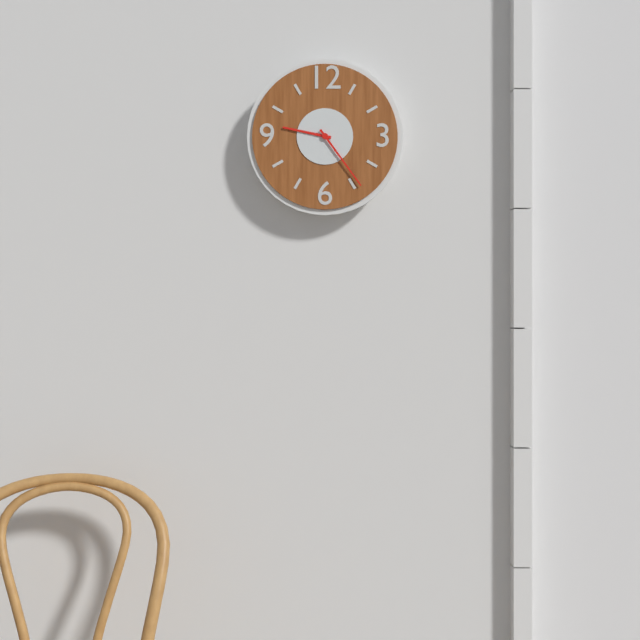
**9:24**
